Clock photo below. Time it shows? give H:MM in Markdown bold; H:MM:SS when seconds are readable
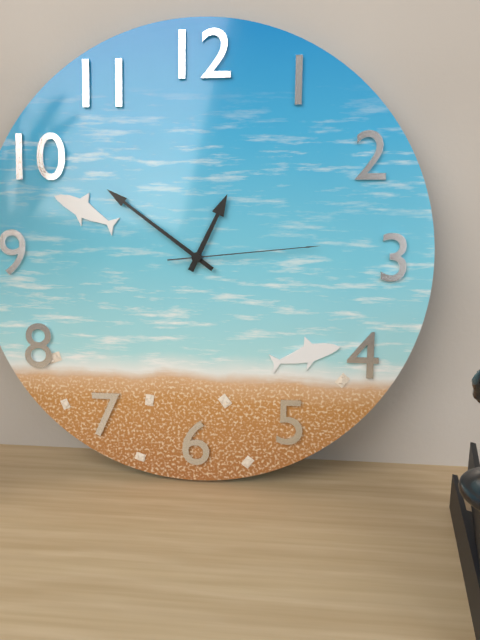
**12:51:14**
